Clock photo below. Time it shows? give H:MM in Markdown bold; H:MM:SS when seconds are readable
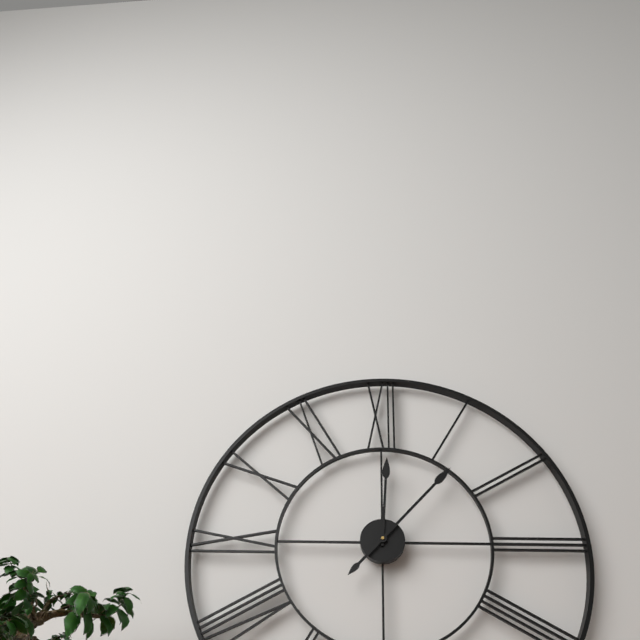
**12:07**
